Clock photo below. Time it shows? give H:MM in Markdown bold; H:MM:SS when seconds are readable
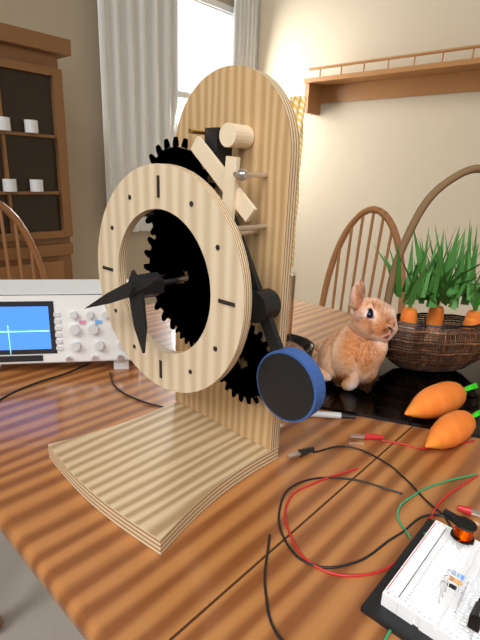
**5:41**
